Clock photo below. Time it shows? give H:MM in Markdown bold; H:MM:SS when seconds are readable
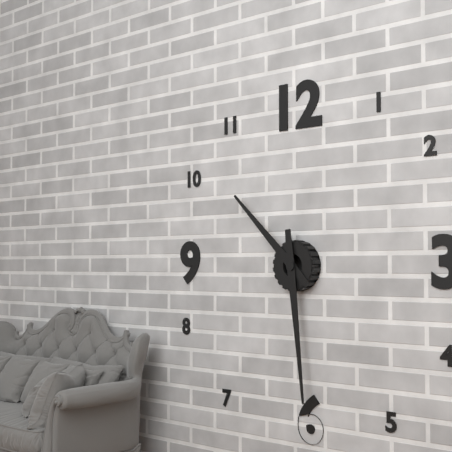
**10:29**
